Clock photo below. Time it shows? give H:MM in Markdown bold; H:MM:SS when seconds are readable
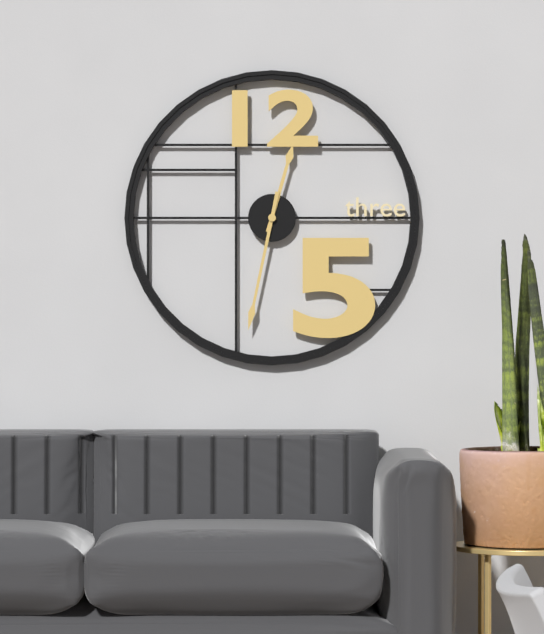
**12:32**
